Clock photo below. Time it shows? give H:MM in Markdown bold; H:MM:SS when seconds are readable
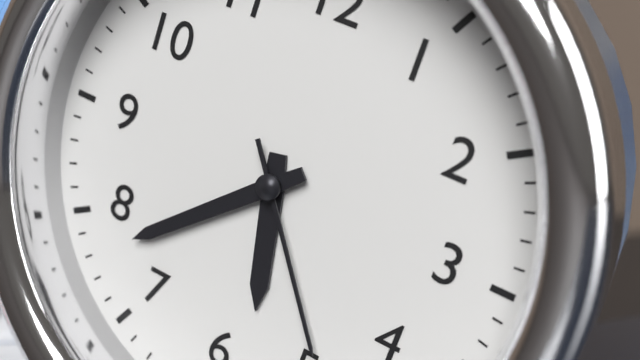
**5:38:24**
